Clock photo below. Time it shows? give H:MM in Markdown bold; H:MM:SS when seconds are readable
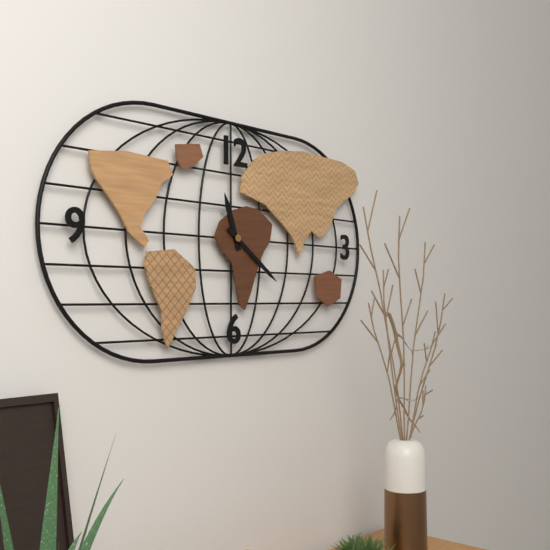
**11:21**
